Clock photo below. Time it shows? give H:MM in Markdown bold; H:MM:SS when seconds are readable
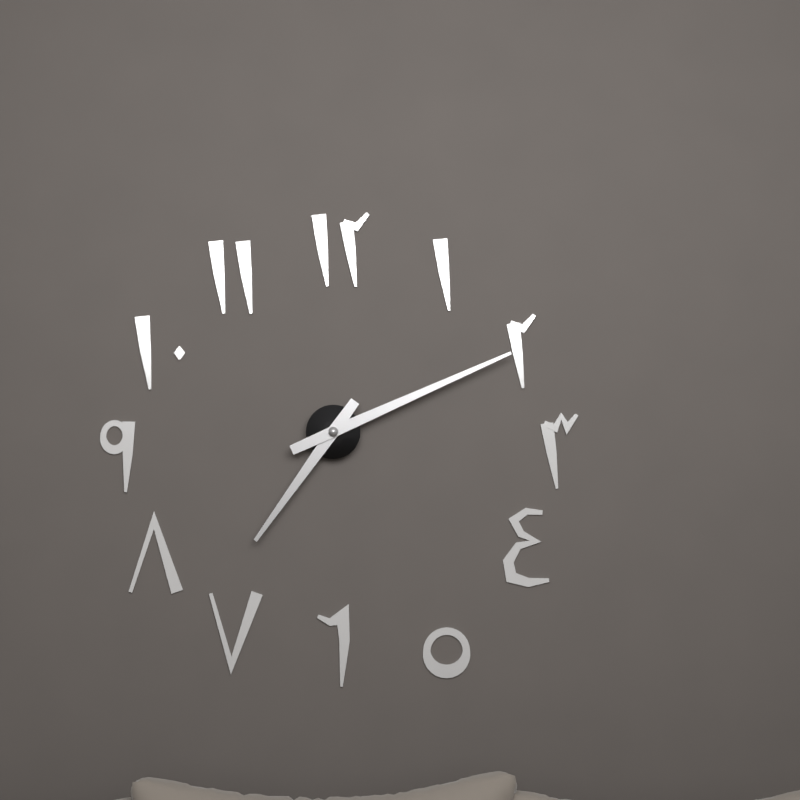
**7:11**
